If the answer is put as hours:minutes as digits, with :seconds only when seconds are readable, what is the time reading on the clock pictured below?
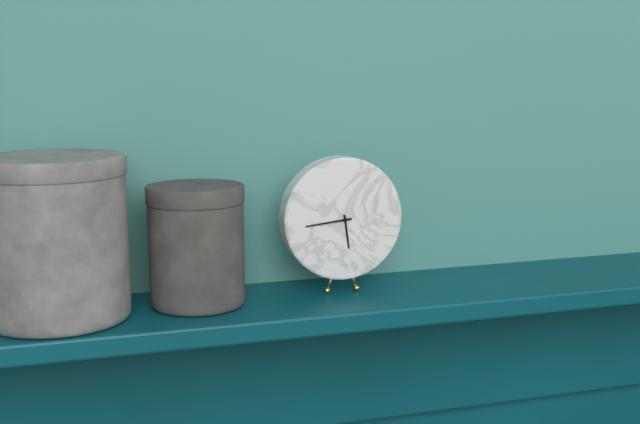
5:44
